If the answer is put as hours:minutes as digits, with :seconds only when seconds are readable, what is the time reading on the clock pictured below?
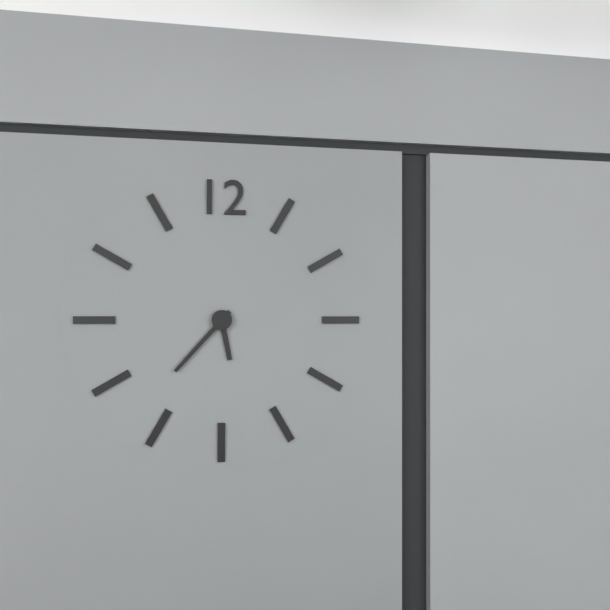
5:37
